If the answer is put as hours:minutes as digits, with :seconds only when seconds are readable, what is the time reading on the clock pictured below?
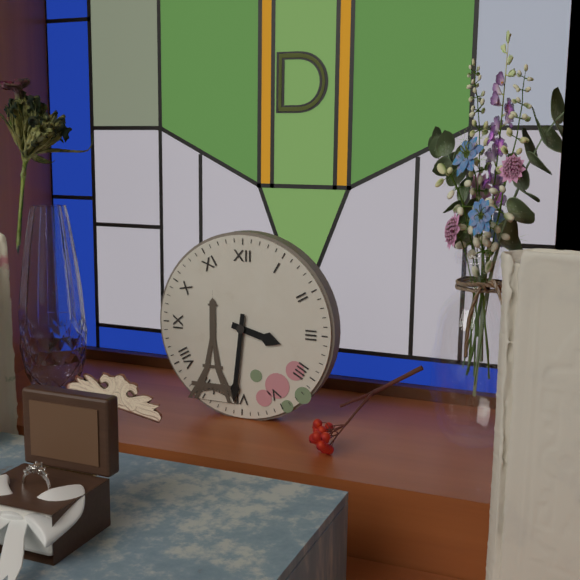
3:31
